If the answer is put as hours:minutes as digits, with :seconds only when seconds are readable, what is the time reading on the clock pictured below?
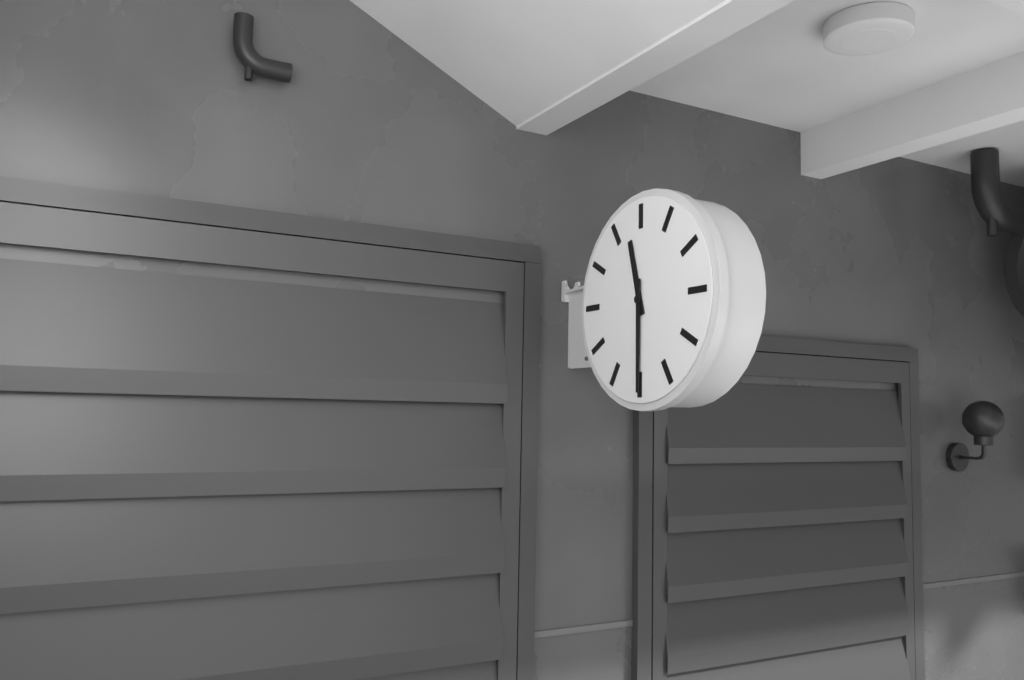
11:30
